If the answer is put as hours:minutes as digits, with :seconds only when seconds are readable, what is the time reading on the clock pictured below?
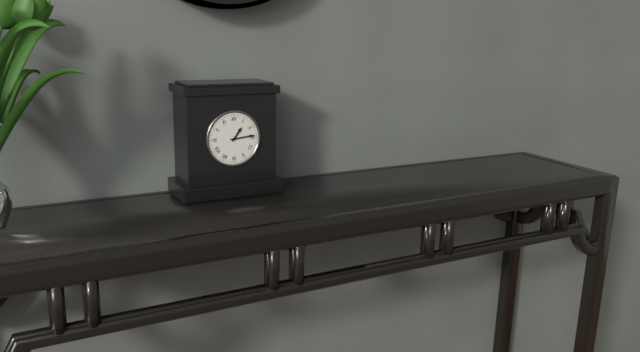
1:14
